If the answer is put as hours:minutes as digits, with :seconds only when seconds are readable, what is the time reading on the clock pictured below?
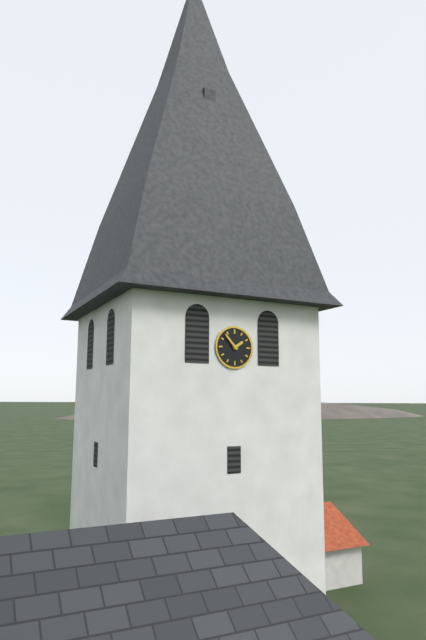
1:53
